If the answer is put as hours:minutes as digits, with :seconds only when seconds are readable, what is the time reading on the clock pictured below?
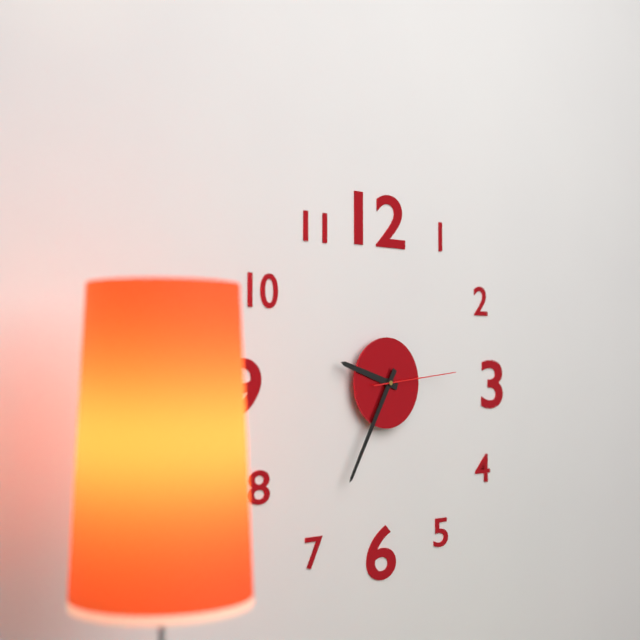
9:35:14
